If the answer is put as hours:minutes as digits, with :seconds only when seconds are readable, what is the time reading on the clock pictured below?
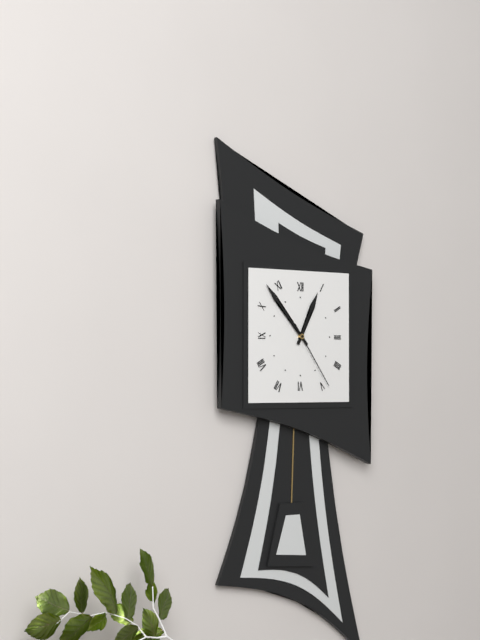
12:53:24
